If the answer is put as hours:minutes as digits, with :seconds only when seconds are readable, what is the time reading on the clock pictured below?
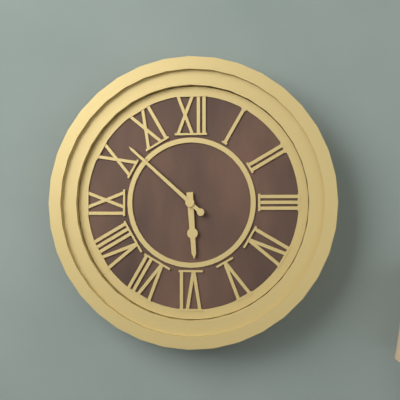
5:52
